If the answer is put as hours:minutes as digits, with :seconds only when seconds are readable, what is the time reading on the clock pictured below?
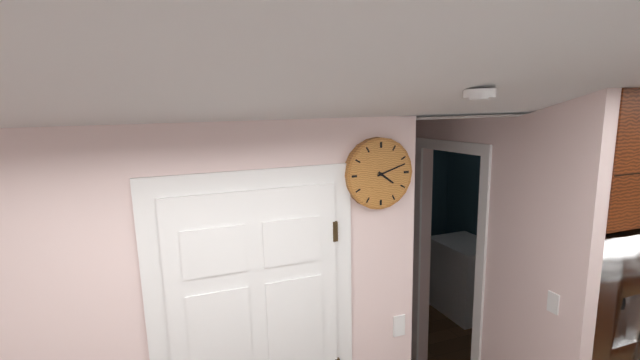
4:12
